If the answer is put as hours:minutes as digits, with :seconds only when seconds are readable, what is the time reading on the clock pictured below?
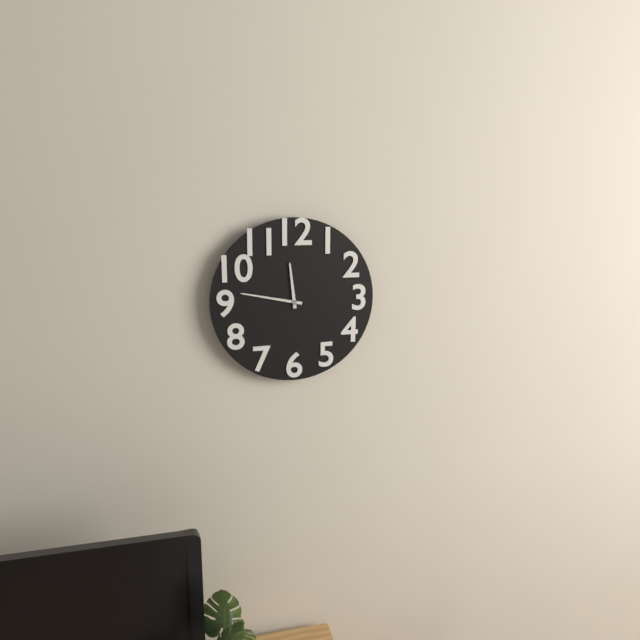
11:47
